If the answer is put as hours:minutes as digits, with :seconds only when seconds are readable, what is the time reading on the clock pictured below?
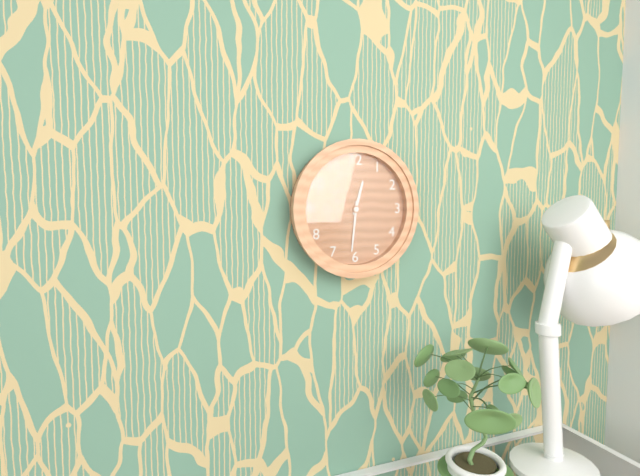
12:31
